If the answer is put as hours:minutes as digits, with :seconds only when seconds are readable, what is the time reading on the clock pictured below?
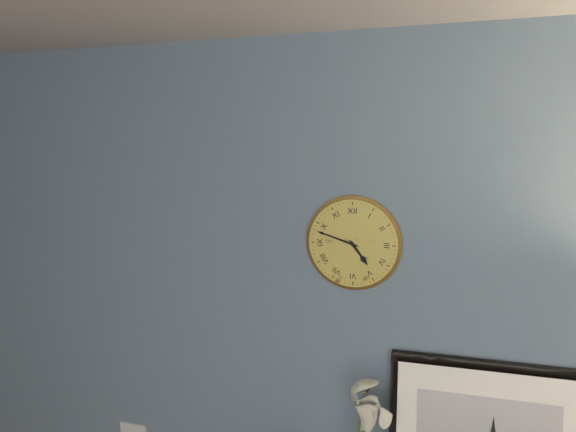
4:48
